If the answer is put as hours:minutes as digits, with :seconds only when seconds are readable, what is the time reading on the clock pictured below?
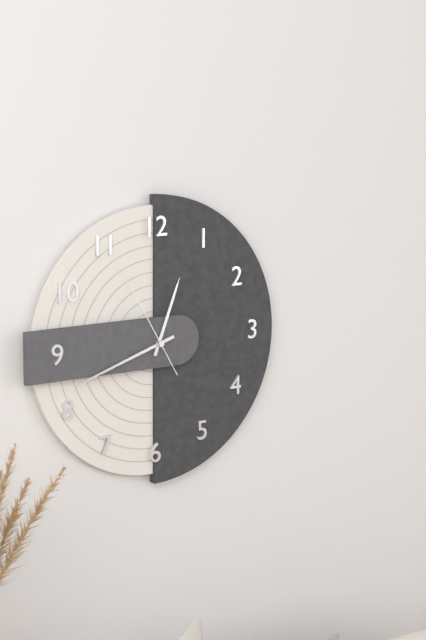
12:42:55
